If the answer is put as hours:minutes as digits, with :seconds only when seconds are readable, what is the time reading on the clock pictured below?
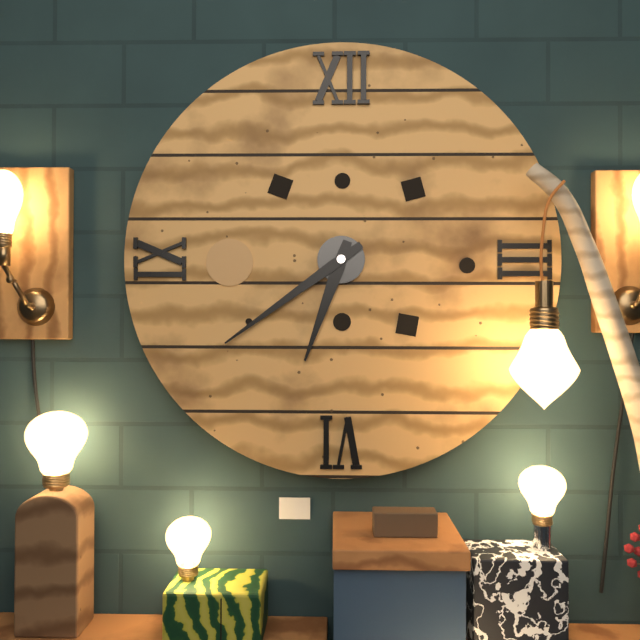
6:39
